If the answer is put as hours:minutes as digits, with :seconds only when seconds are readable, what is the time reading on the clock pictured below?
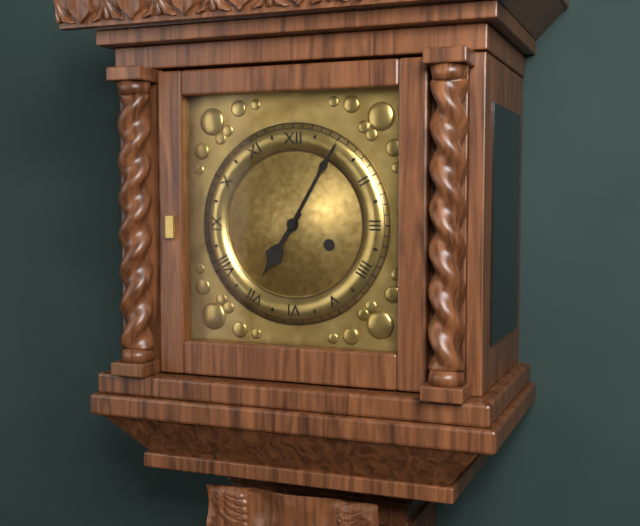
7:05
